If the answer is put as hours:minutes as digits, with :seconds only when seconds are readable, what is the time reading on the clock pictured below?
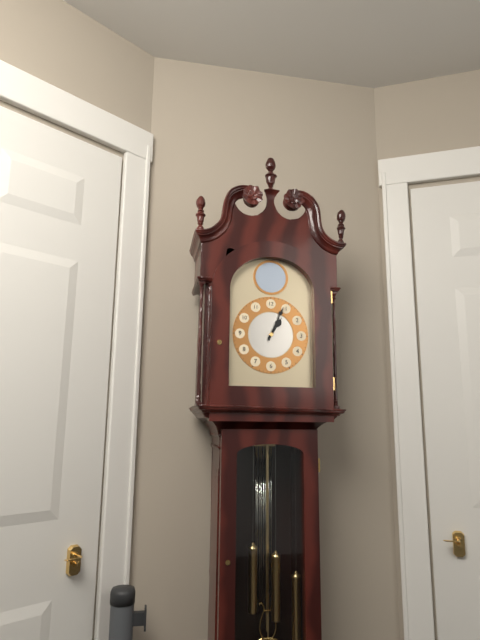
1:04
